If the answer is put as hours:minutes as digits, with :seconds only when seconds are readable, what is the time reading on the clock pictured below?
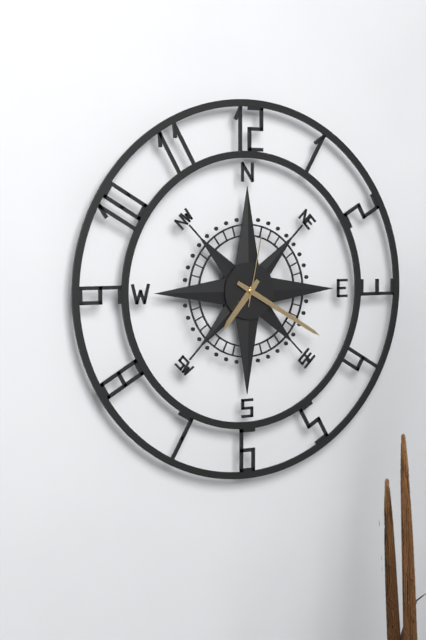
7:20:02
